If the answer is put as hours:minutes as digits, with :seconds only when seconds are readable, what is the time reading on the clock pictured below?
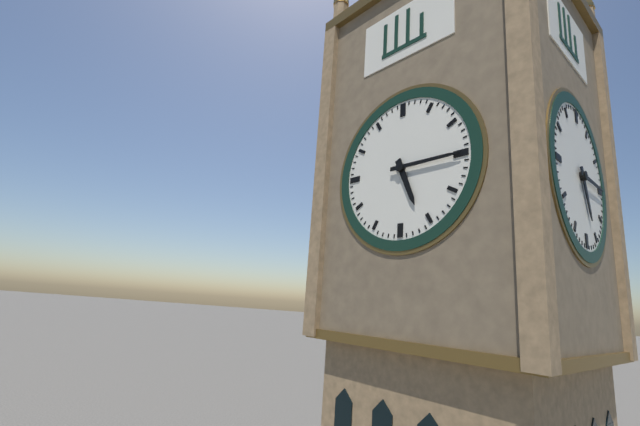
5:15
